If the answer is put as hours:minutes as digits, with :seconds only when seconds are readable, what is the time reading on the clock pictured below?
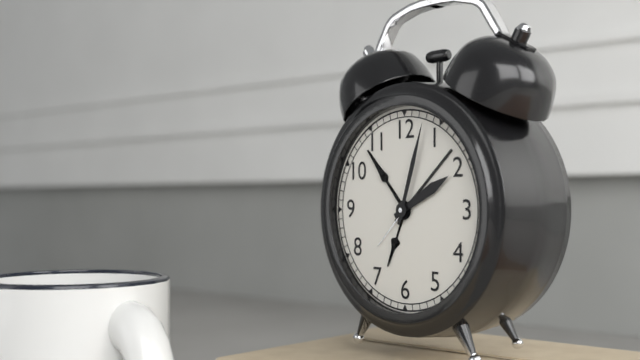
2:03
